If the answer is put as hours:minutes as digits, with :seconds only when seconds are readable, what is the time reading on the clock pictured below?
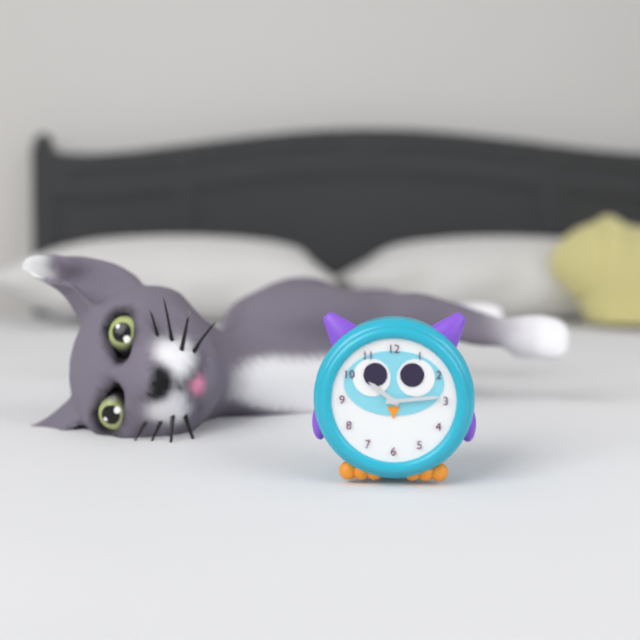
10:14
